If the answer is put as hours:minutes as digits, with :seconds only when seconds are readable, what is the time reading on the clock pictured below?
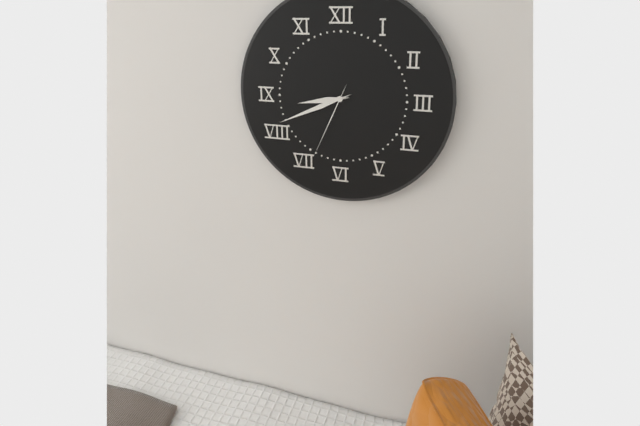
8:41:34
